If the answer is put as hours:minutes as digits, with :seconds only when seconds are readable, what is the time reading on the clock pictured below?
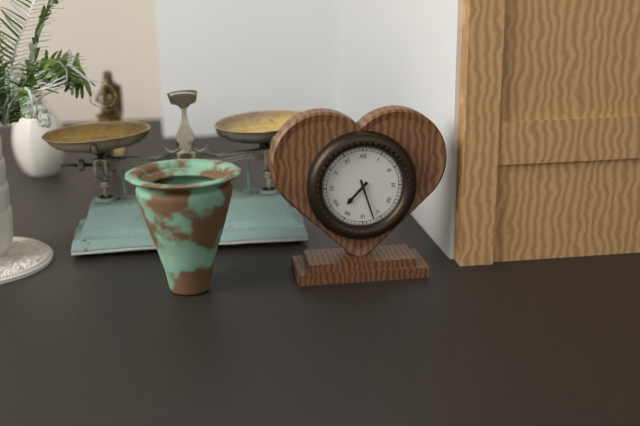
7:27
